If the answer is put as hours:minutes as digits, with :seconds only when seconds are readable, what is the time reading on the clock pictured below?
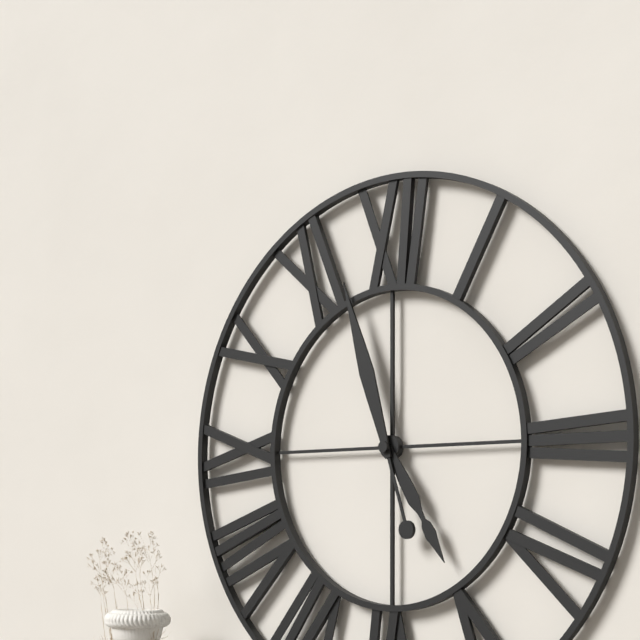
4:57
